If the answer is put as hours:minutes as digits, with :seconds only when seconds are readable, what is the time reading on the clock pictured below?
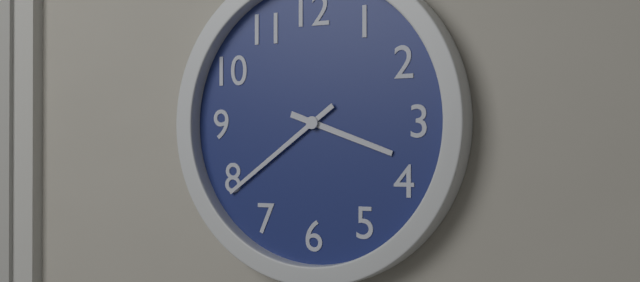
3:39
